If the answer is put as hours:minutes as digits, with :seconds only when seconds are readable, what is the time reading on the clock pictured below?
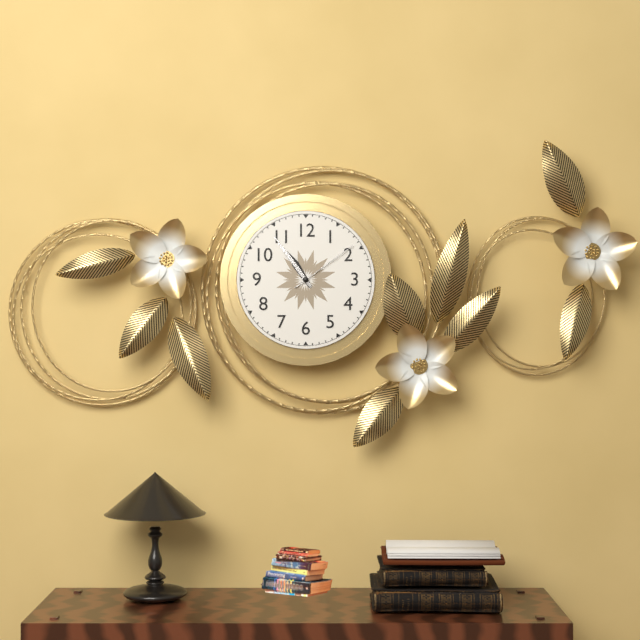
10:54:09
